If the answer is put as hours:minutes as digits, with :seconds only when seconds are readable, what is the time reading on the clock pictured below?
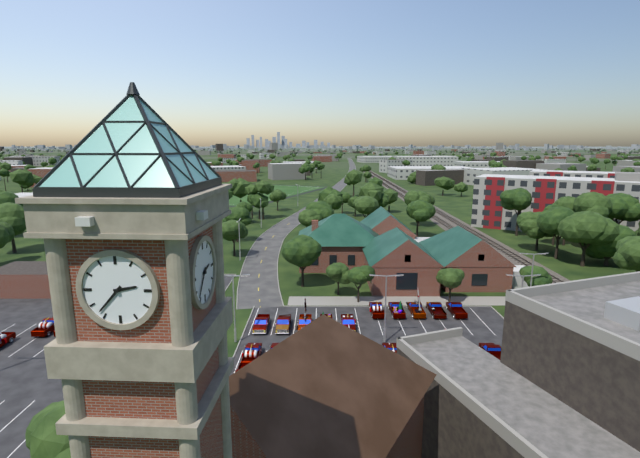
2:37
